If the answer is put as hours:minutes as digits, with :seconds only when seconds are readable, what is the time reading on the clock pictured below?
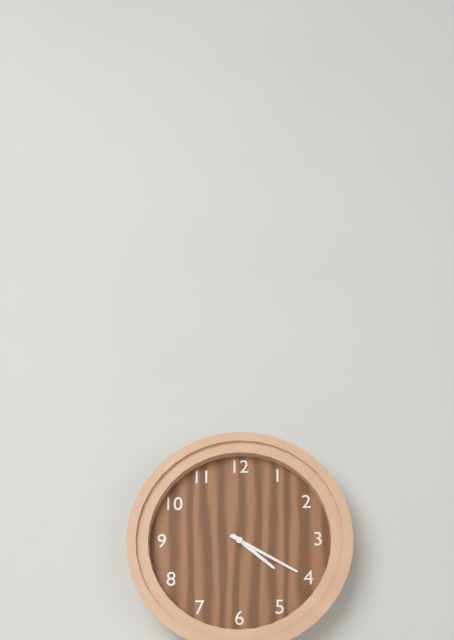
4:20
